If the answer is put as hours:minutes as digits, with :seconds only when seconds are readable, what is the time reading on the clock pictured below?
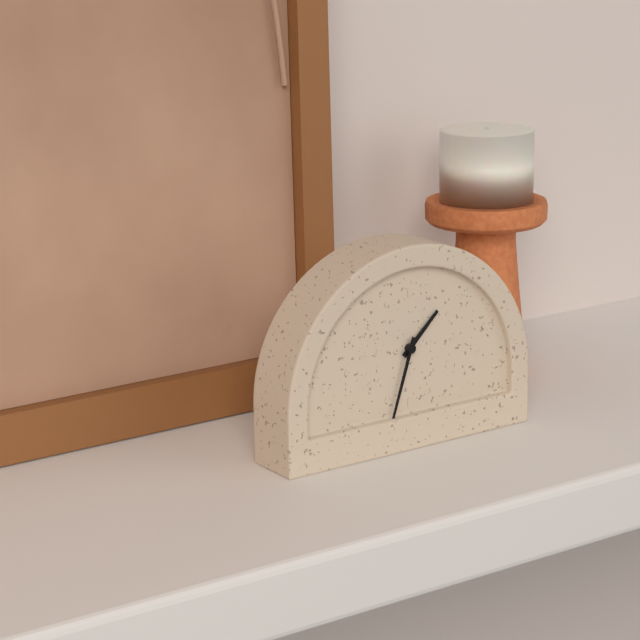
1:33
